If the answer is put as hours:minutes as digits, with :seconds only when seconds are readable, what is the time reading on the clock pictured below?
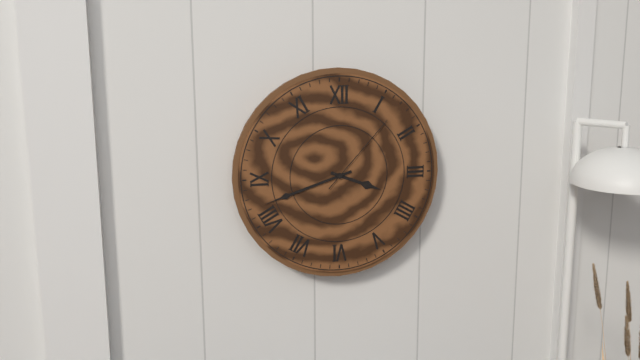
3:42:07
